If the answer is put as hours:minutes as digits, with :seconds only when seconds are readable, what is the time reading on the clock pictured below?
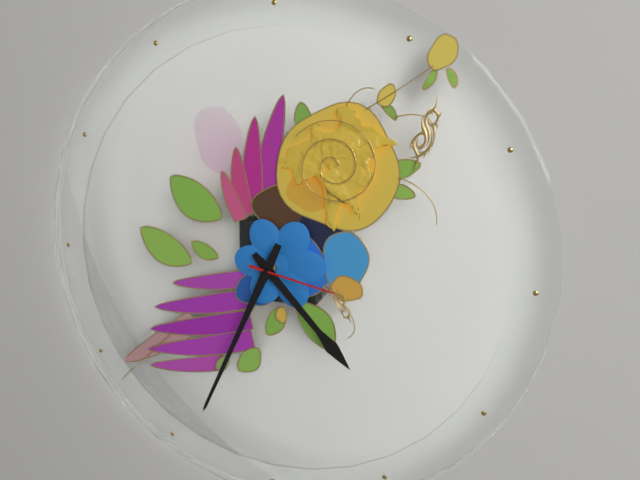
4:34:17
